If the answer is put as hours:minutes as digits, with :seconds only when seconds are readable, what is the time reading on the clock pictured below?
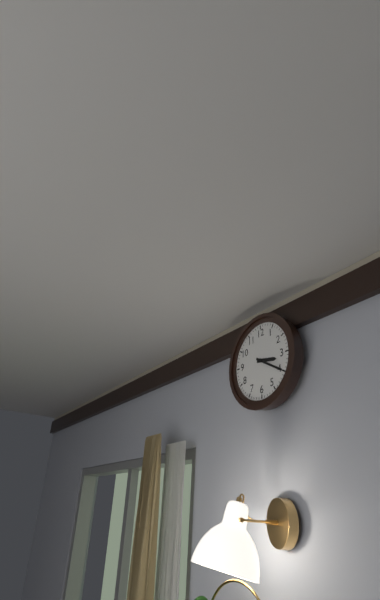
3:20
